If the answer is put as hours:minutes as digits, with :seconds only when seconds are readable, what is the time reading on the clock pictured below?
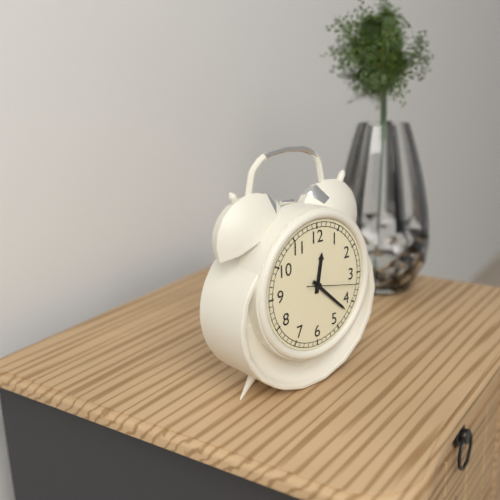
12:22
